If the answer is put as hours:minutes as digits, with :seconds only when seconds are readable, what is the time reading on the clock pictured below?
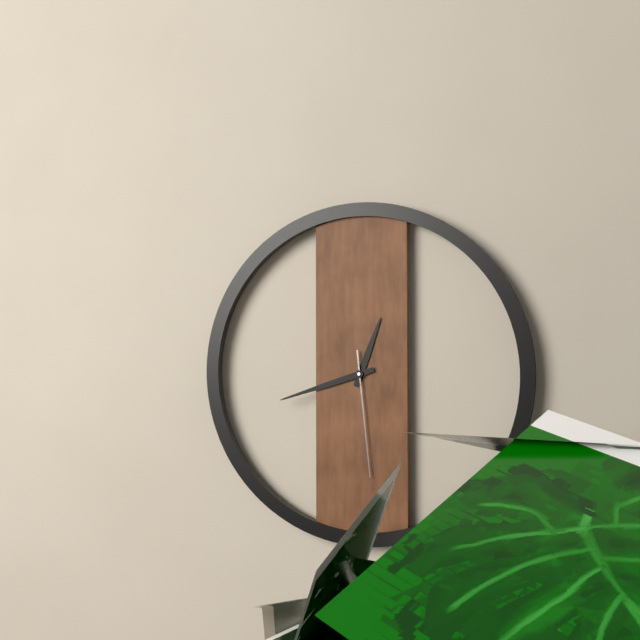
12:42:29
